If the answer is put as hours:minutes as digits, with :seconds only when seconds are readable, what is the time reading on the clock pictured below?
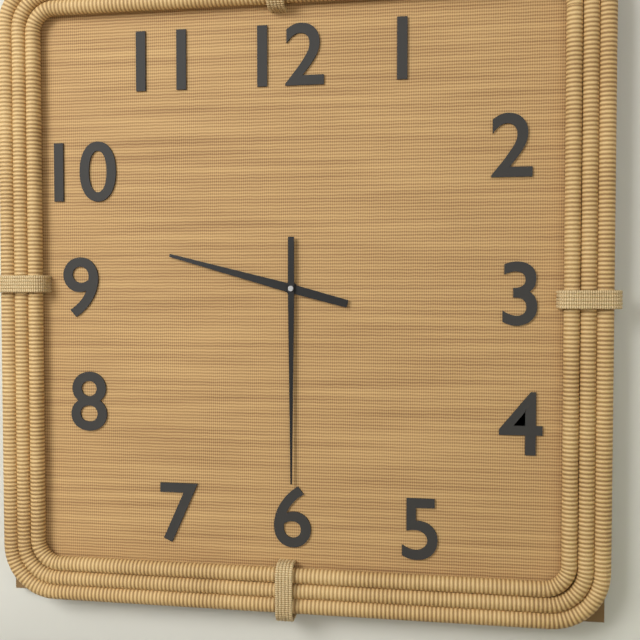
9:30
